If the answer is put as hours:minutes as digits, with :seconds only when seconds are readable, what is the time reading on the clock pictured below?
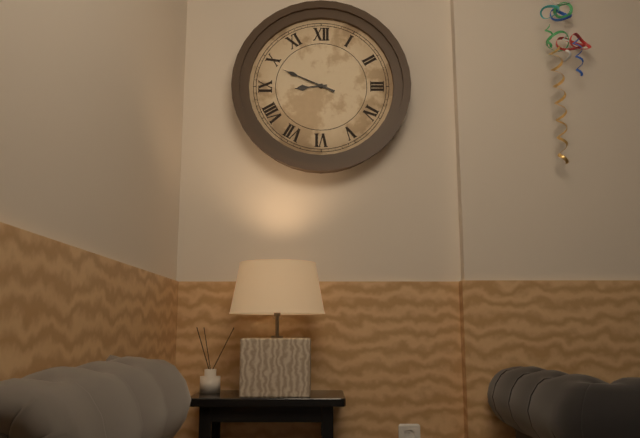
8:49
